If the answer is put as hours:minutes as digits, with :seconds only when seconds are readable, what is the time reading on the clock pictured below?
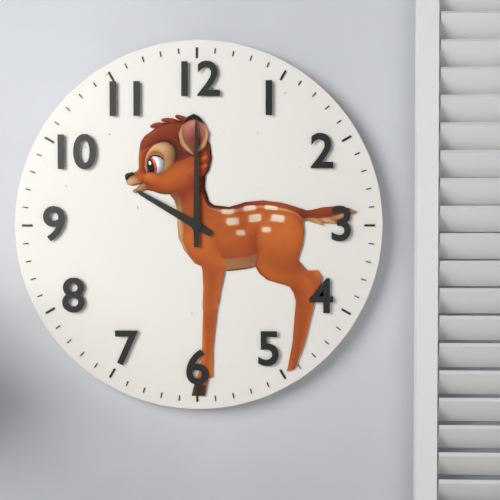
10:00
